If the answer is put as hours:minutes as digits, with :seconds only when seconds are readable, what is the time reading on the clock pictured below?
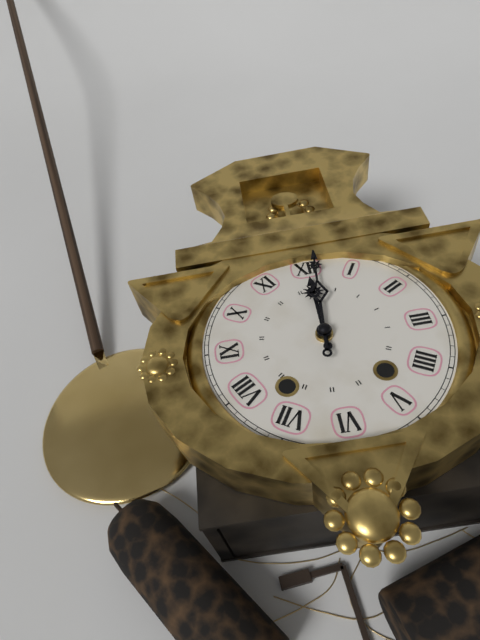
12:01
